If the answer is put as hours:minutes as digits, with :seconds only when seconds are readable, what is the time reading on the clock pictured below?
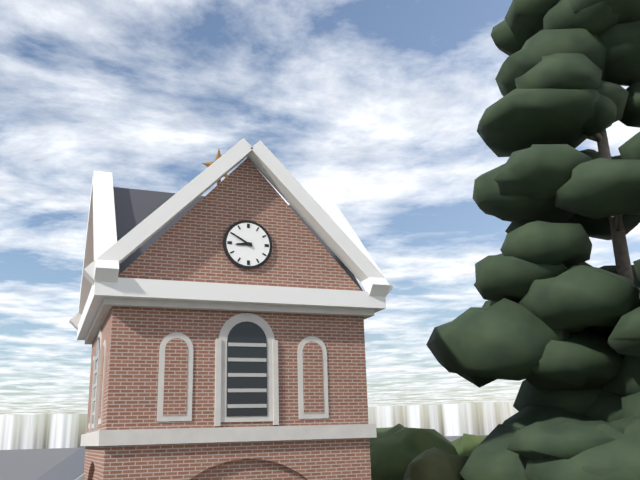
8:50
